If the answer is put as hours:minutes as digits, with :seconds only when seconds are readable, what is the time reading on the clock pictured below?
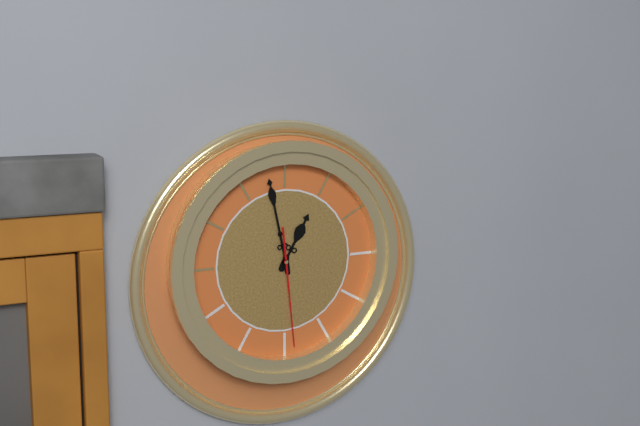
12:58:29
